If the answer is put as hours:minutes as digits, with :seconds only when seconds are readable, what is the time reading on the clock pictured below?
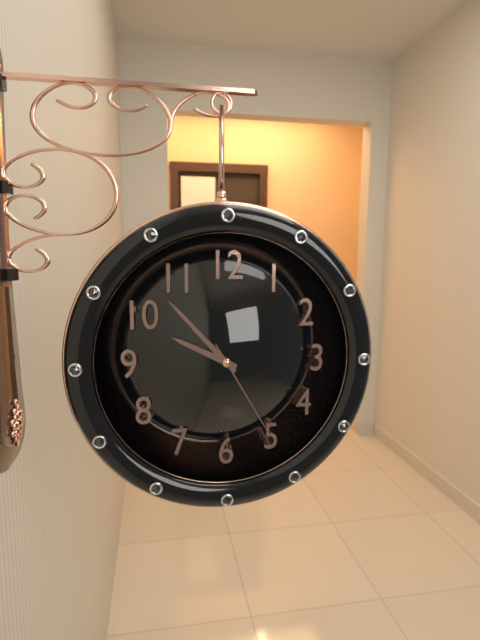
9:53:25
